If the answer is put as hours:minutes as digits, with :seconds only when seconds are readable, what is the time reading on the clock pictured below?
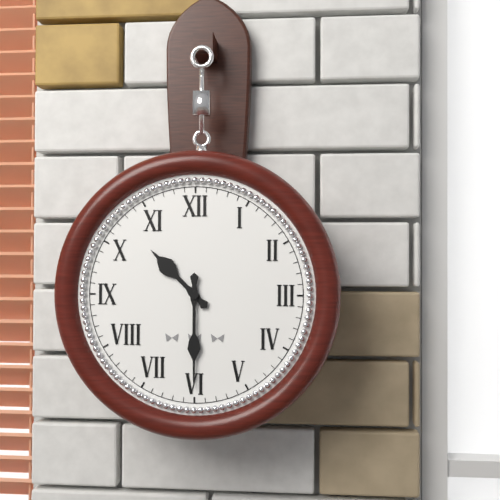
10:30
